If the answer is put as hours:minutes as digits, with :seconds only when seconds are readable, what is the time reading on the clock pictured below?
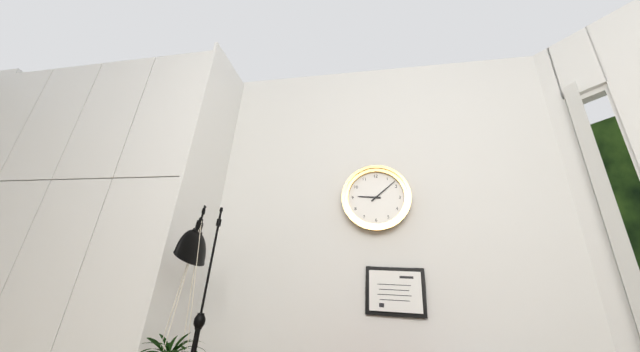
9:08
